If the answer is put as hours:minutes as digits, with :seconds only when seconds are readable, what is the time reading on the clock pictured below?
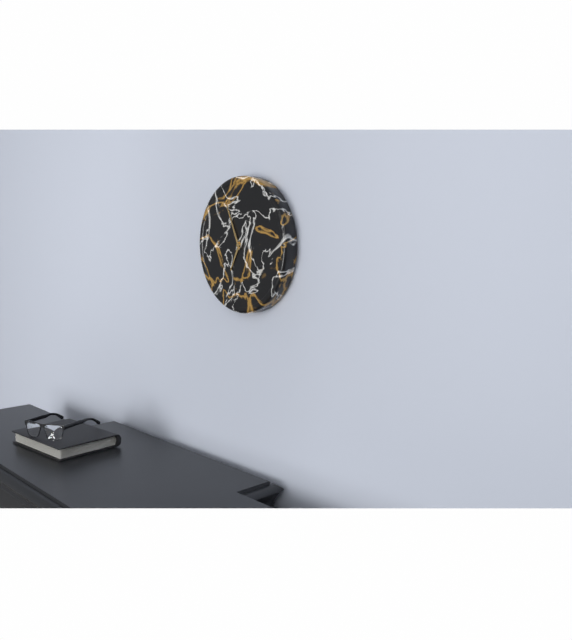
6:56
